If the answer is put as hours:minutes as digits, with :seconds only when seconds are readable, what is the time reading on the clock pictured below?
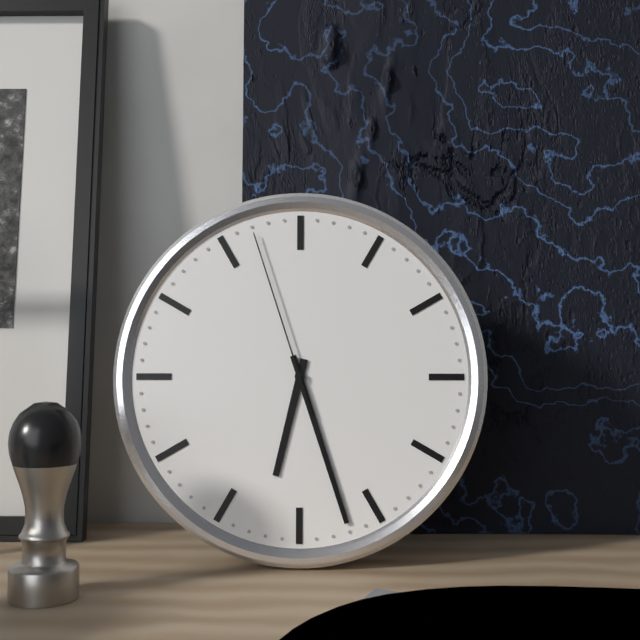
6:27:57
